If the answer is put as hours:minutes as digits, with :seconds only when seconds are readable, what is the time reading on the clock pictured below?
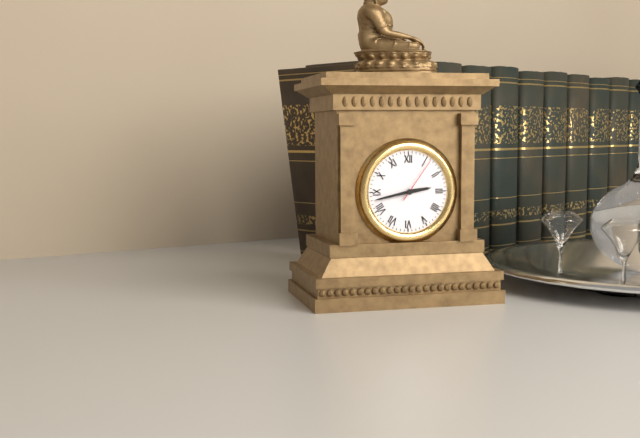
2:43
